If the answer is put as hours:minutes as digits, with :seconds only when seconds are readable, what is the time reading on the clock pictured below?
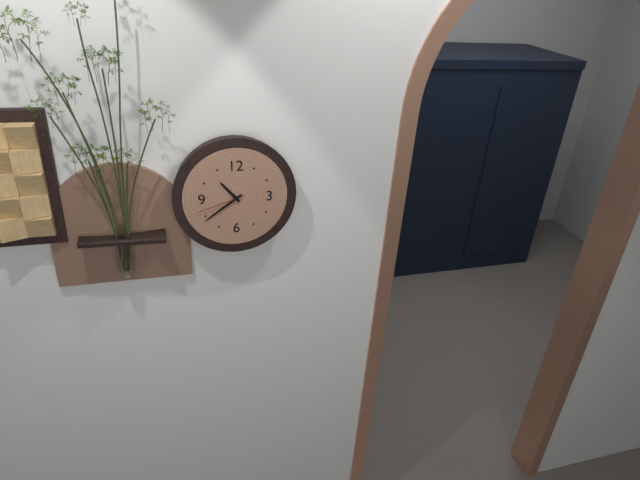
10:39:42
